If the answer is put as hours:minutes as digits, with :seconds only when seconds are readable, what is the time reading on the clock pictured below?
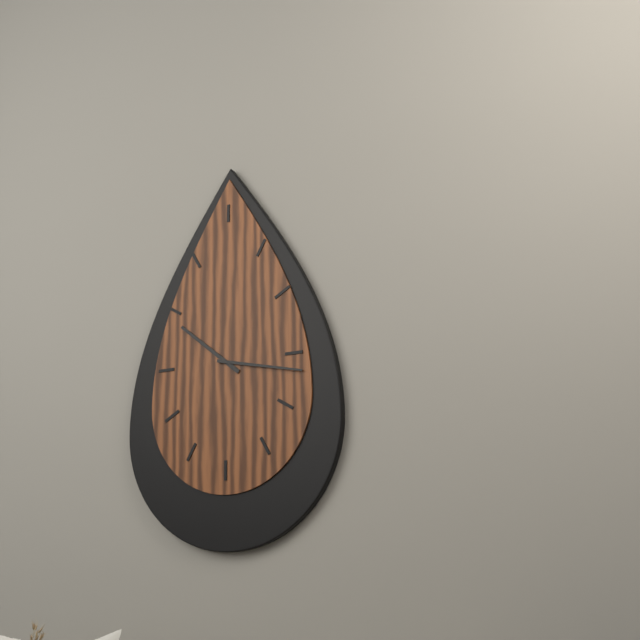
10:17
